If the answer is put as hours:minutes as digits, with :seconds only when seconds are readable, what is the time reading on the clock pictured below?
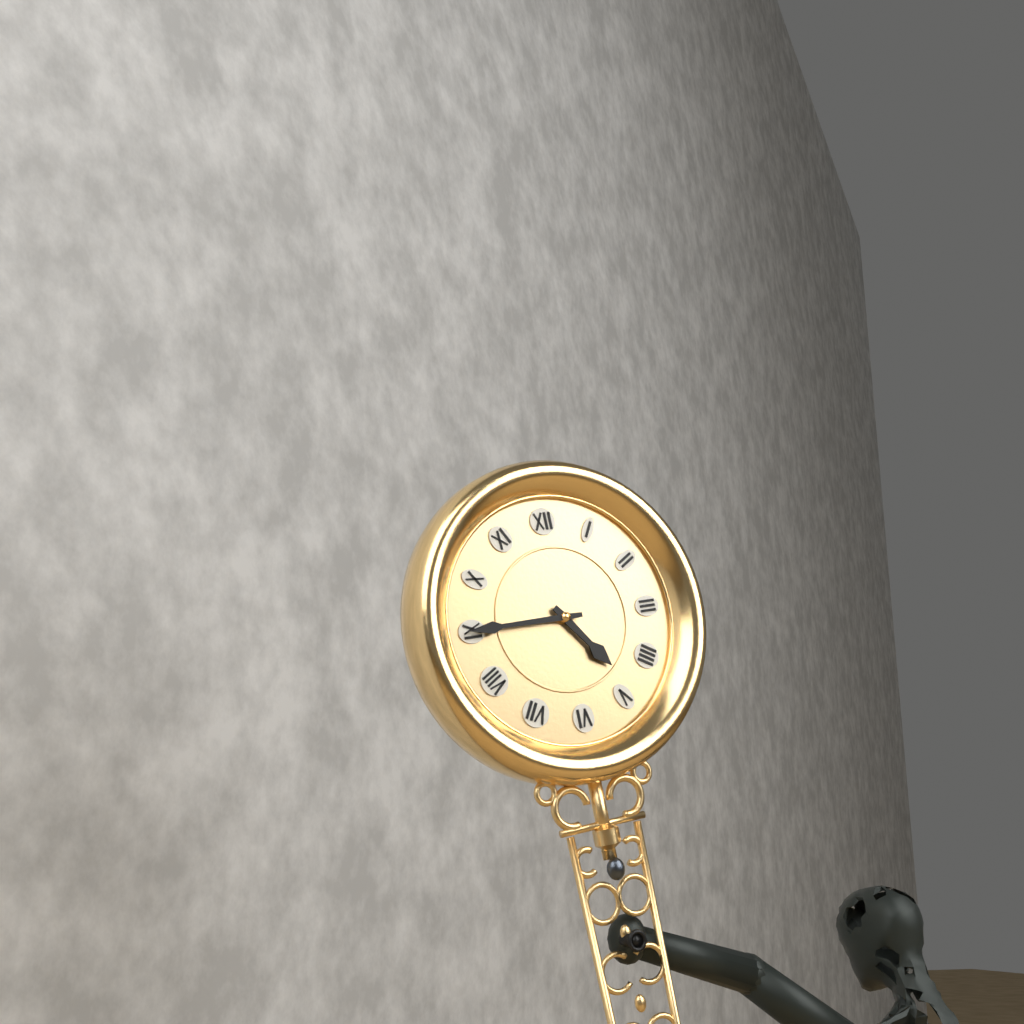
4:45
